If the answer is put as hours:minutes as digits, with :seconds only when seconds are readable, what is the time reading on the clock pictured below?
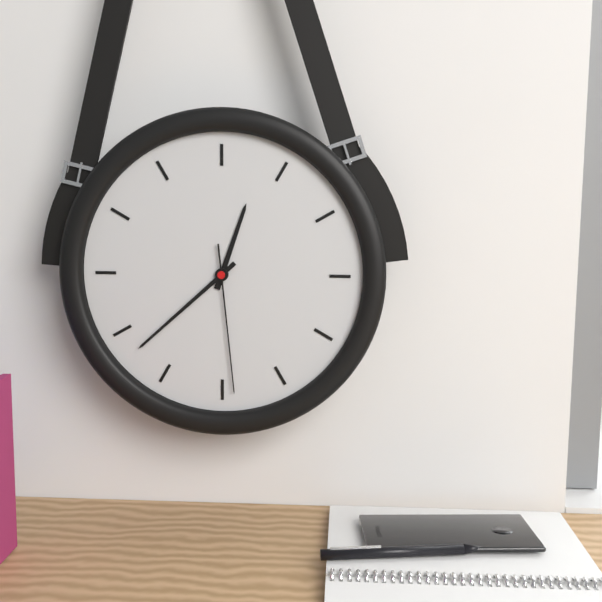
12:38:29
